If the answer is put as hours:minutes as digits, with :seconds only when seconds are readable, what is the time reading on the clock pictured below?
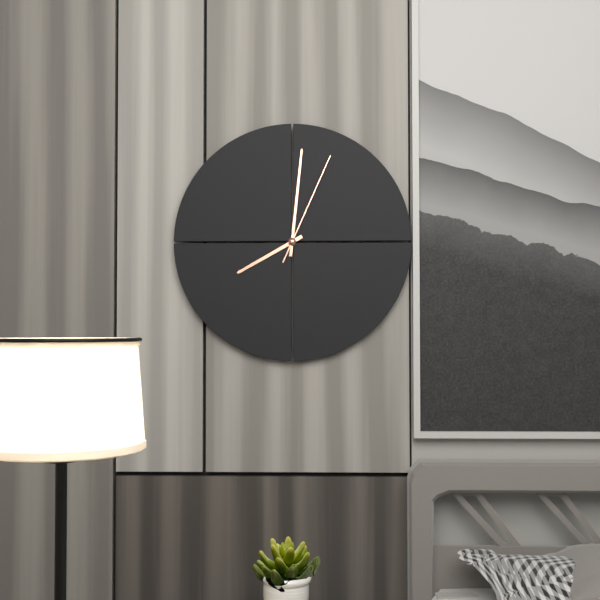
8:01:04
